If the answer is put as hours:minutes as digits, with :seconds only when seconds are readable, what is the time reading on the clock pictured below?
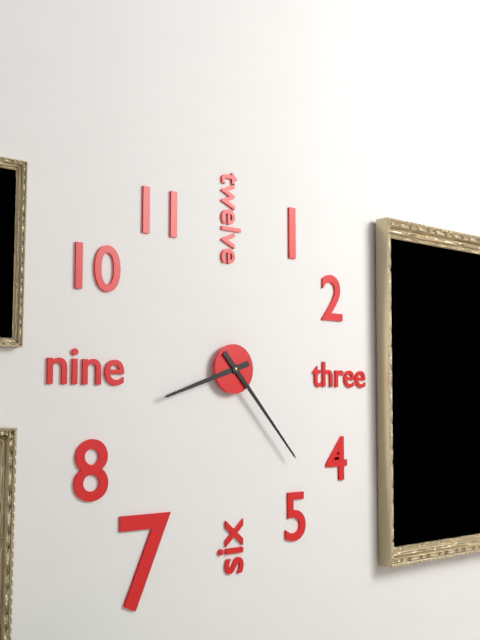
8:23
